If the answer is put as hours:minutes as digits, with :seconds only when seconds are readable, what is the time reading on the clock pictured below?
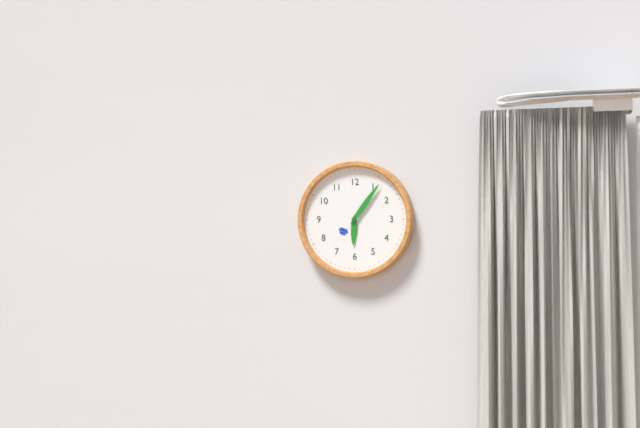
6:06
